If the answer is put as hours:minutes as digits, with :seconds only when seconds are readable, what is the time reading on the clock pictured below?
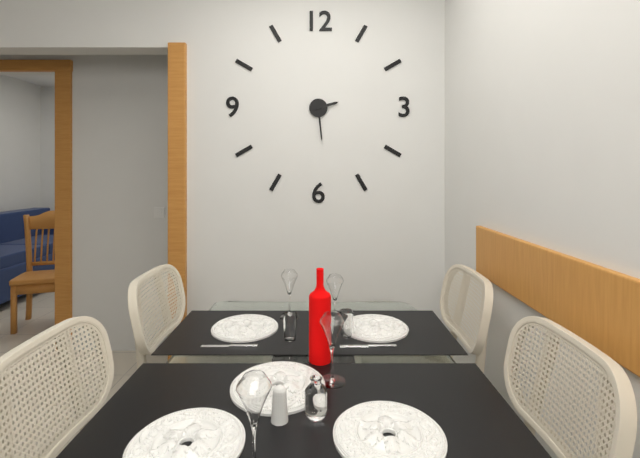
2:29
